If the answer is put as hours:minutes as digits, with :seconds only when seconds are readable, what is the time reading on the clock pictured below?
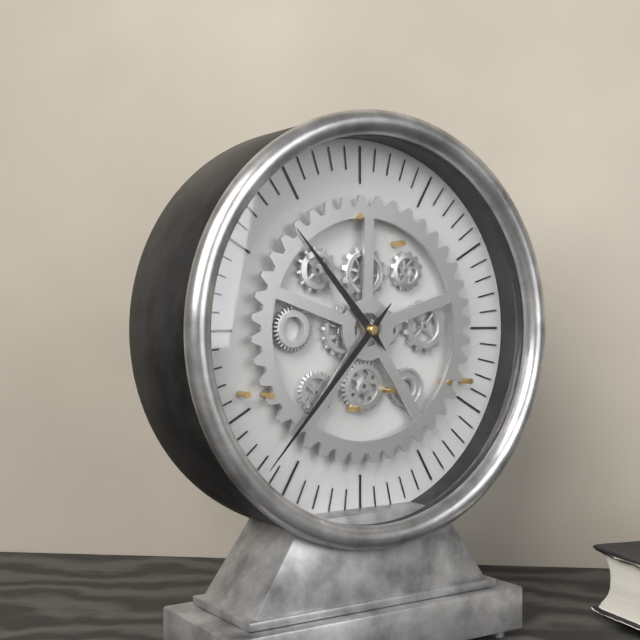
10:37
